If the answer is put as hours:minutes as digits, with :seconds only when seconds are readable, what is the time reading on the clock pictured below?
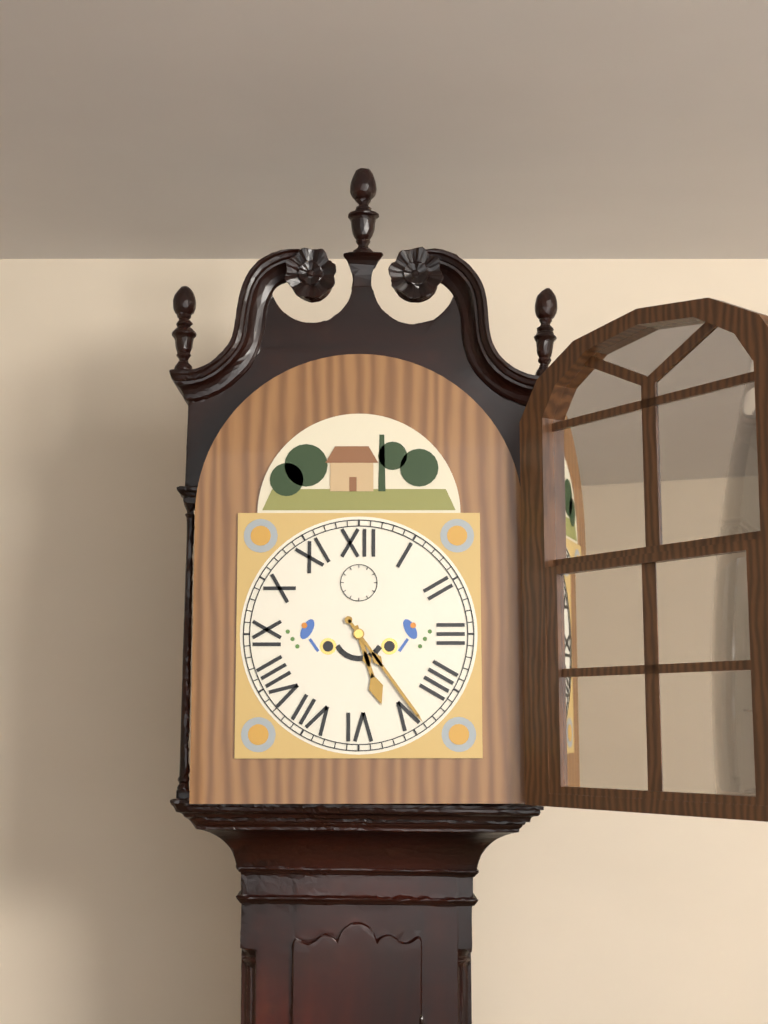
5:24
